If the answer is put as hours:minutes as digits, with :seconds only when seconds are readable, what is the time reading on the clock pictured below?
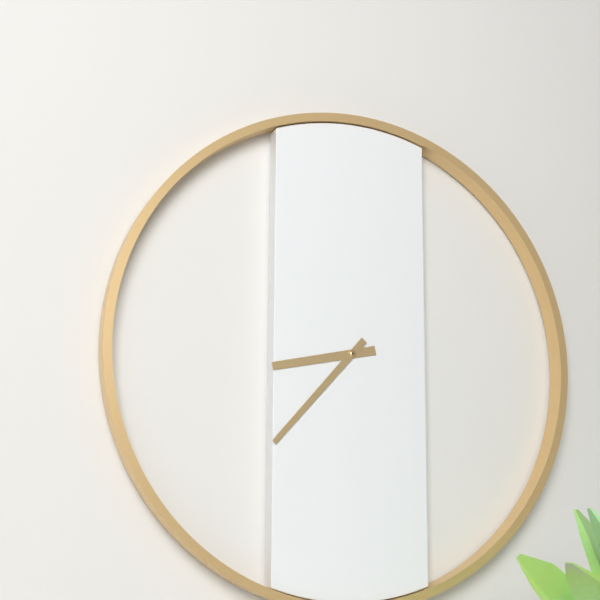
8:37
